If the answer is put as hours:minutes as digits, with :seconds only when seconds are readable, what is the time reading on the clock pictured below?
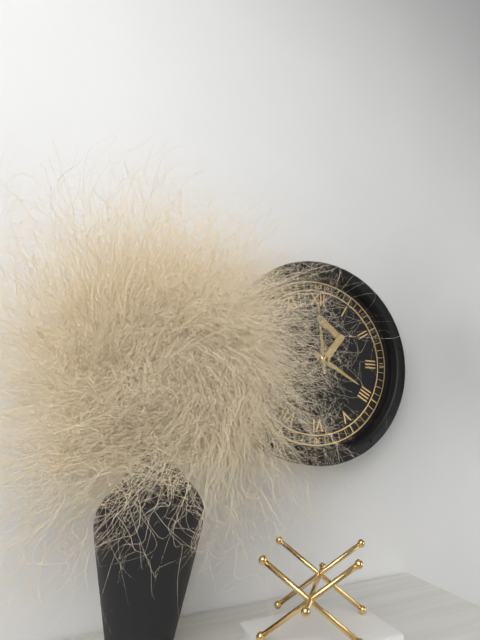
3:59
